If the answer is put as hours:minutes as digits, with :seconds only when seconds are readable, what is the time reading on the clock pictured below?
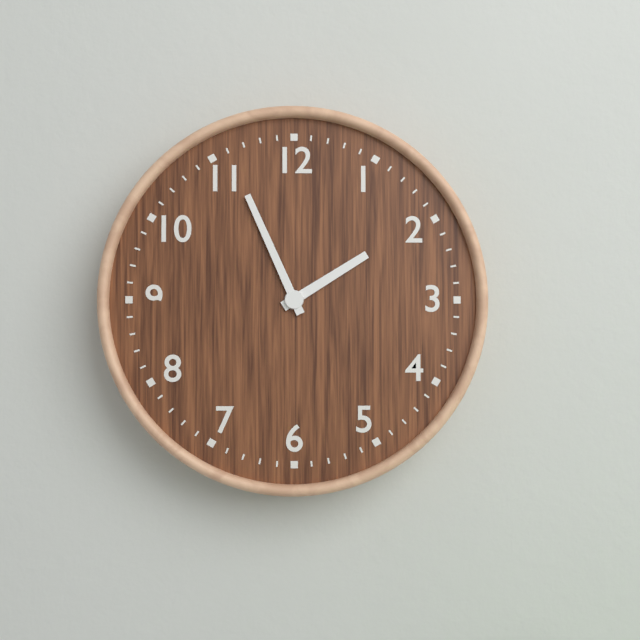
1:56
